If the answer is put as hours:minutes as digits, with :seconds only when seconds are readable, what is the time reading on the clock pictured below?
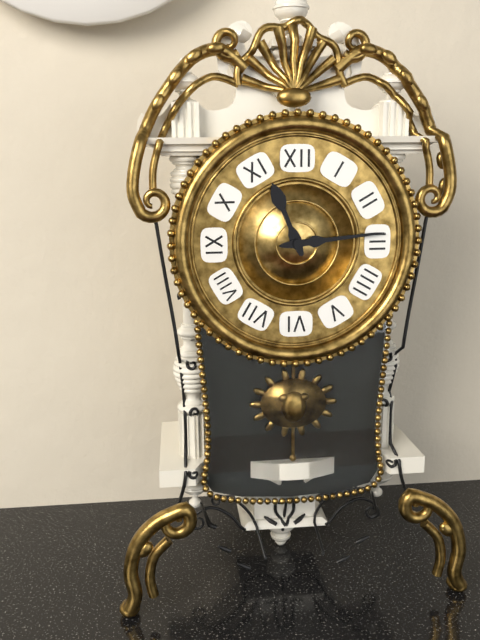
11:14
